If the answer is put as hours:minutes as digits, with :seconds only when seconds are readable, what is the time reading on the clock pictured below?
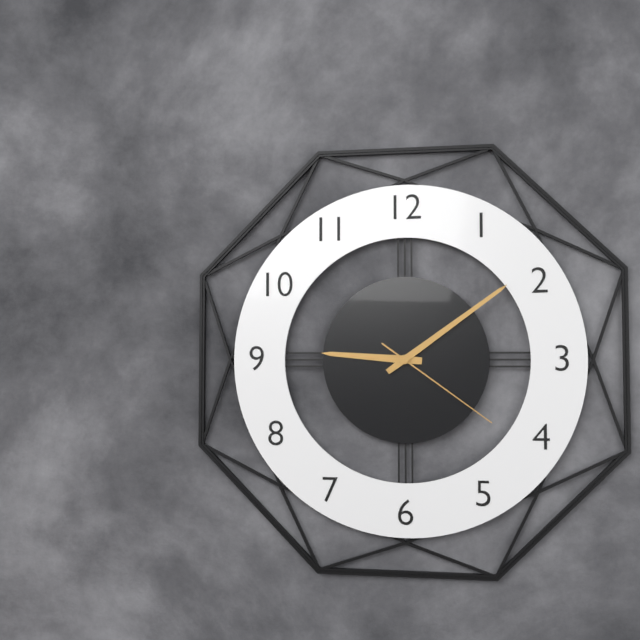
9:09:21
